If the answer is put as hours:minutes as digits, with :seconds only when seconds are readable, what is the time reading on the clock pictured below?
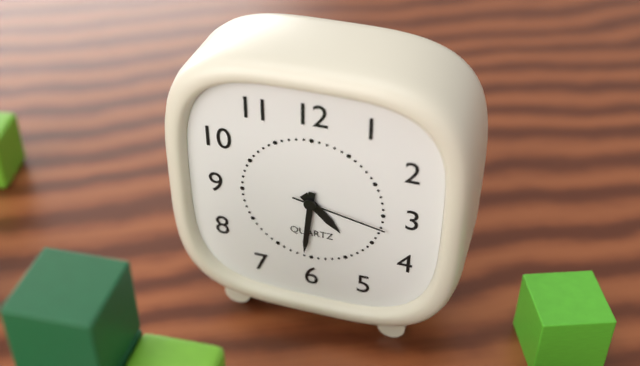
4:31:17
